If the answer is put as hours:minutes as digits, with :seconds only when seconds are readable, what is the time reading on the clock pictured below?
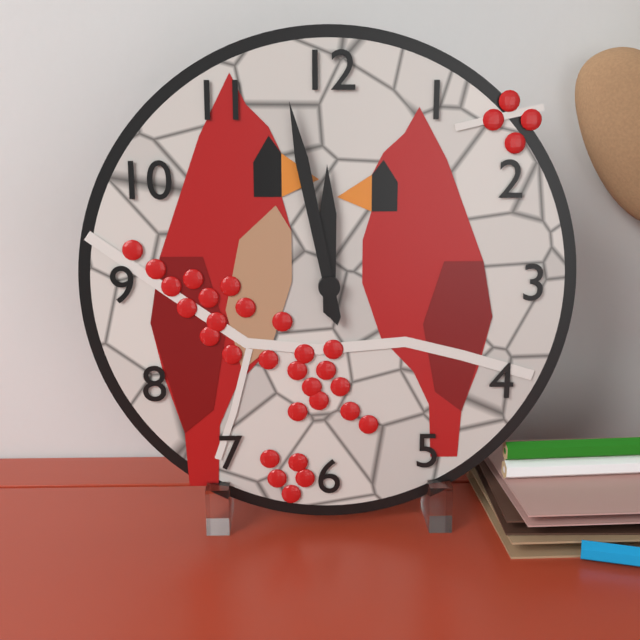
11:58
